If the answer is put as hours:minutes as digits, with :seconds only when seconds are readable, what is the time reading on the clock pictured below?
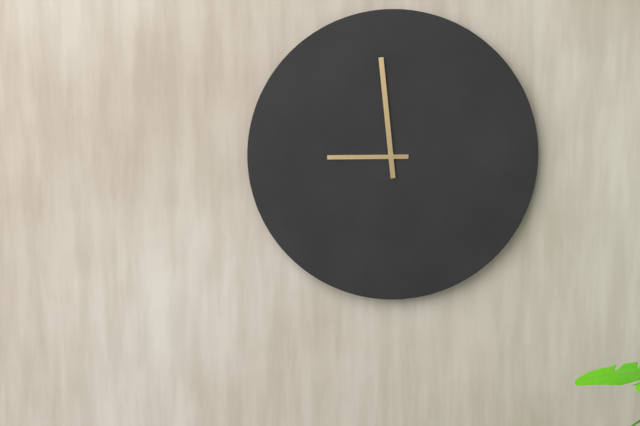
8:59
